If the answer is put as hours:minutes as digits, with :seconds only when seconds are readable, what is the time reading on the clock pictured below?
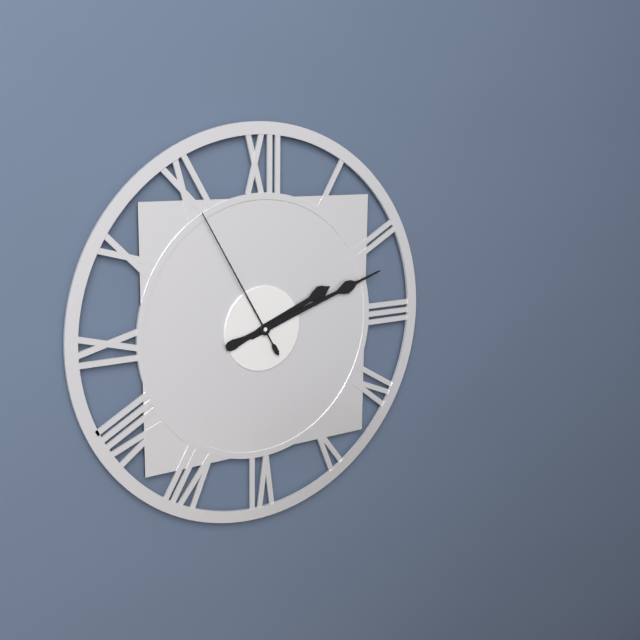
2:12:55
